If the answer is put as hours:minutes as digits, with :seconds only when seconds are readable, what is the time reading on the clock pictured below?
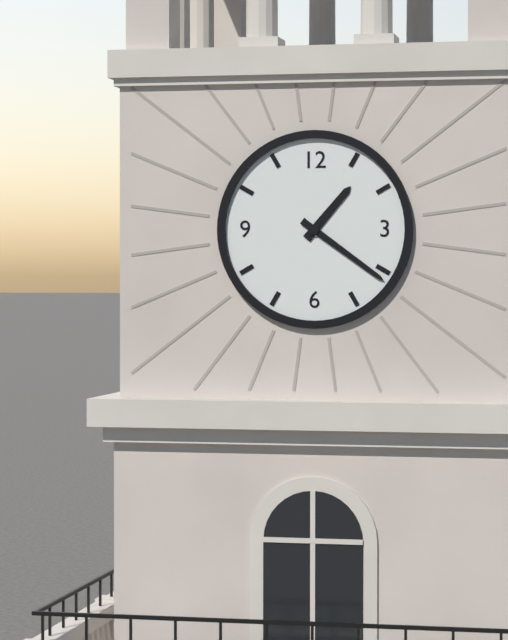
1:21
